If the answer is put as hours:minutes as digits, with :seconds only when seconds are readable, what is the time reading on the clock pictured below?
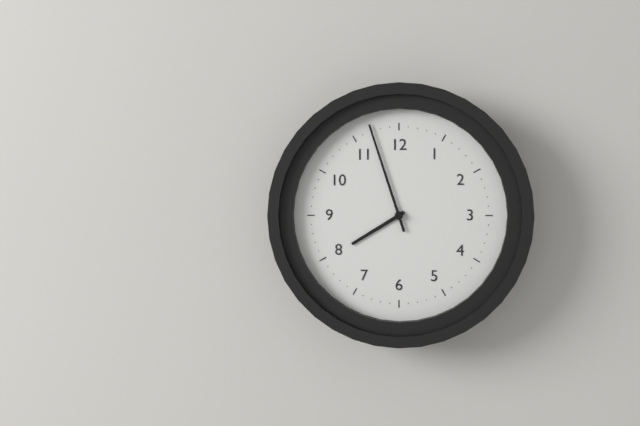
7:57
